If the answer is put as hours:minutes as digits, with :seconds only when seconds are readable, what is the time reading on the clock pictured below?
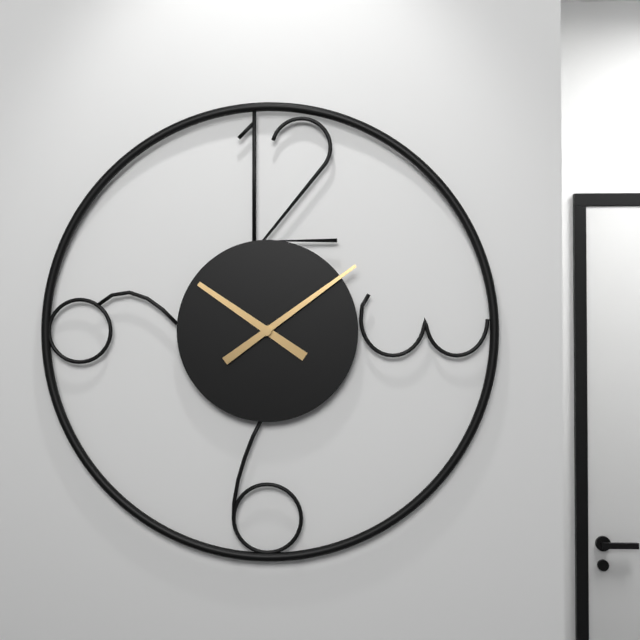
10:09
